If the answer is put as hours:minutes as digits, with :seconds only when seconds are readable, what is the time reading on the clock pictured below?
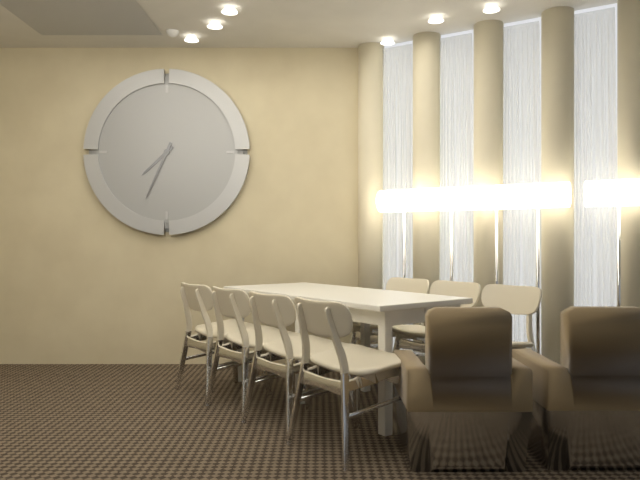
7:34
